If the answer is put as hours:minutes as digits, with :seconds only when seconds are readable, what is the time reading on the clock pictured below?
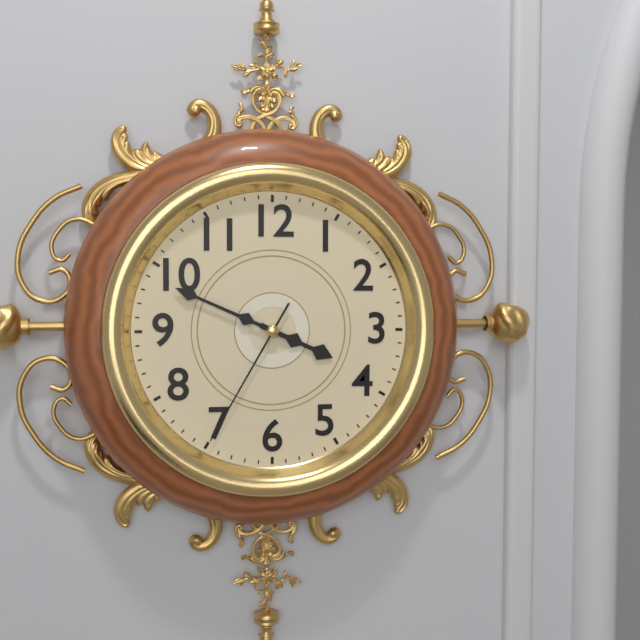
3:49:35
